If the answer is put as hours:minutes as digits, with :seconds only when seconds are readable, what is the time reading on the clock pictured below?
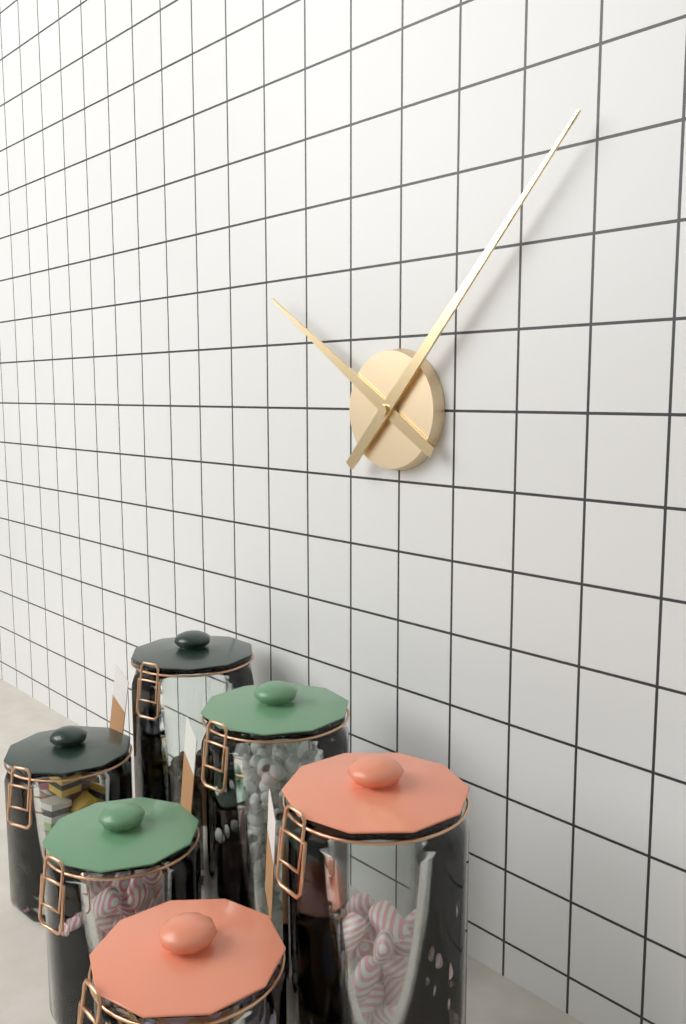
10:07
